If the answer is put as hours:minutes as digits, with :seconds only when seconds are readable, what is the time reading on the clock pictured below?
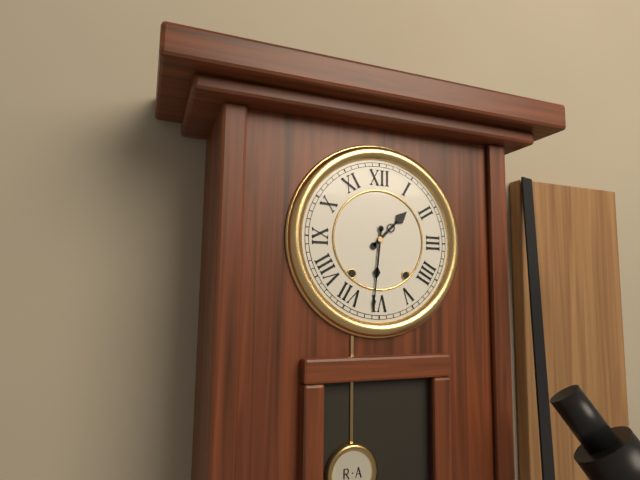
1:31
